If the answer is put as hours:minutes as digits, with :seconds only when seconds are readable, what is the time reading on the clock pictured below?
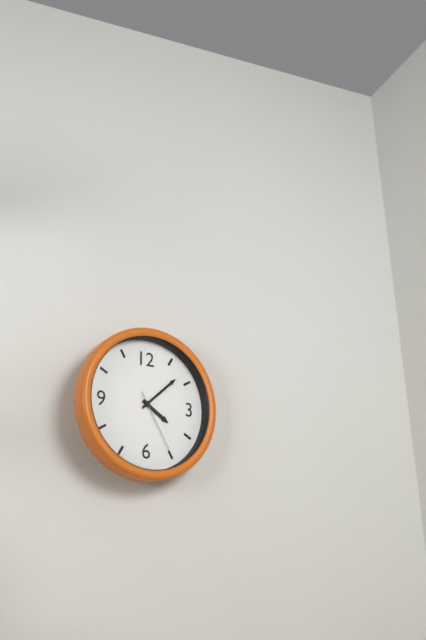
4:08:25
